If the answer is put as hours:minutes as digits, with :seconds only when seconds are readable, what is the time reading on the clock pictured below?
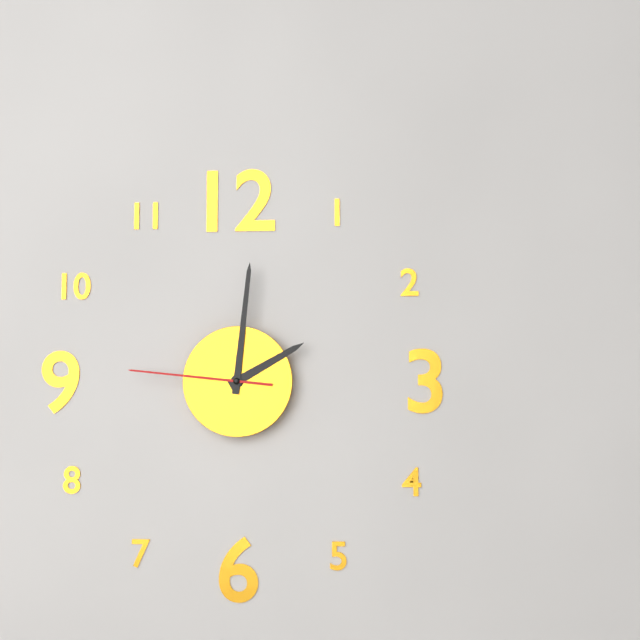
2:01:46
